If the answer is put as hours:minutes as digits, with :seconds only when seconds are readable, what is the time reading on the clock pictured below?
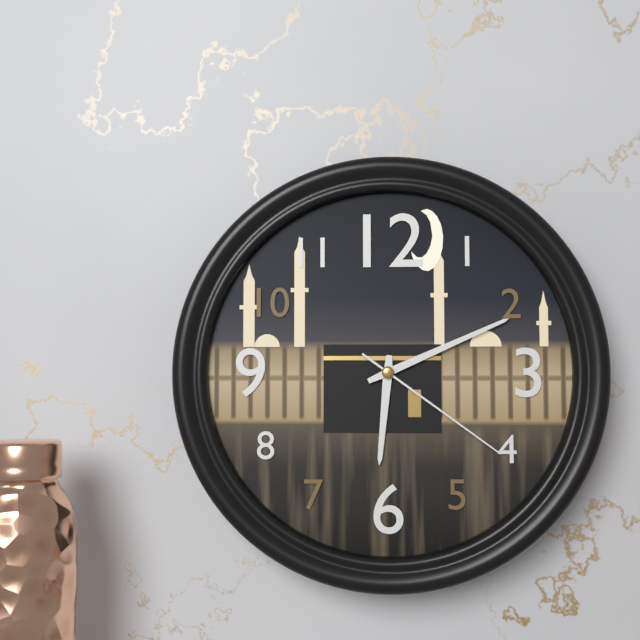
6:11:21
